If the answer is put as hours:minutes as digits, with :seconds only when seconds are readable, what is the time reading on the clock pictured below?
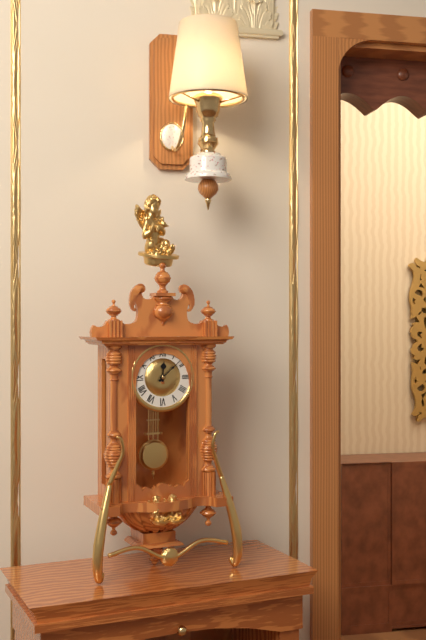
12:08
